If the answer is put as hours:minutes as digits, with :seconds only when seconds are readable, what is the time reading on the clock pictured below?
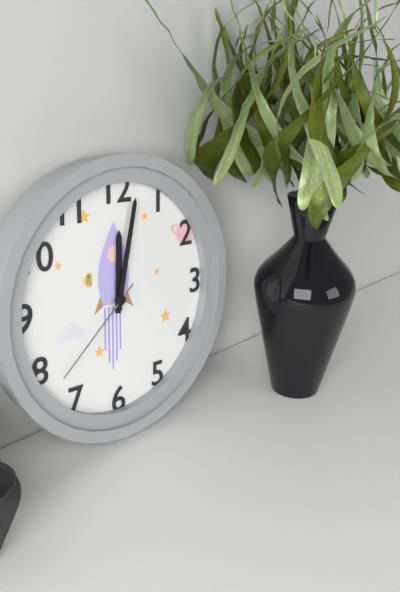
12:02:38
